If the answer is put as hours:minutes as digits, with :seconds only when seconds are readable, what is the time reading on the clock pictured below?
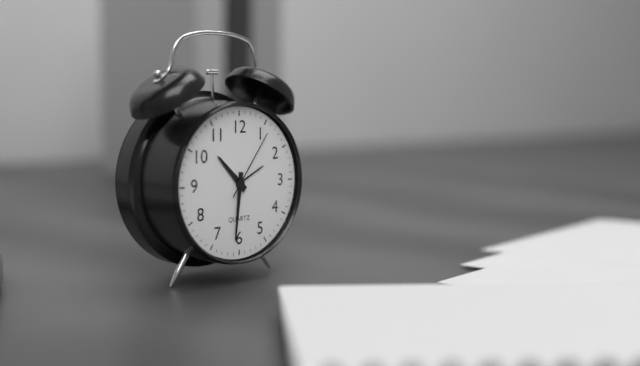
10:31:06
